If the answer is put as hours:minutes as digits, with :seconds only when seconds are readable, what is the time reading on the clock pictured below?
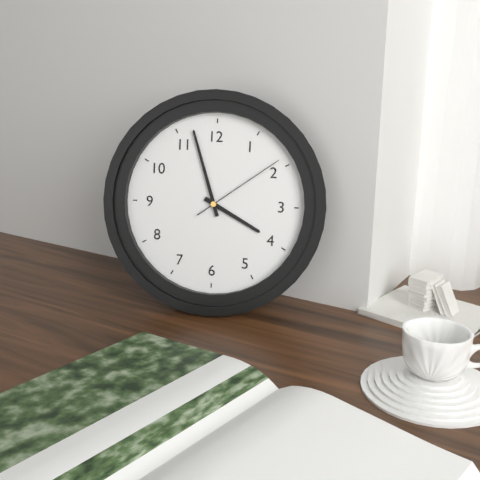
3:57:09
